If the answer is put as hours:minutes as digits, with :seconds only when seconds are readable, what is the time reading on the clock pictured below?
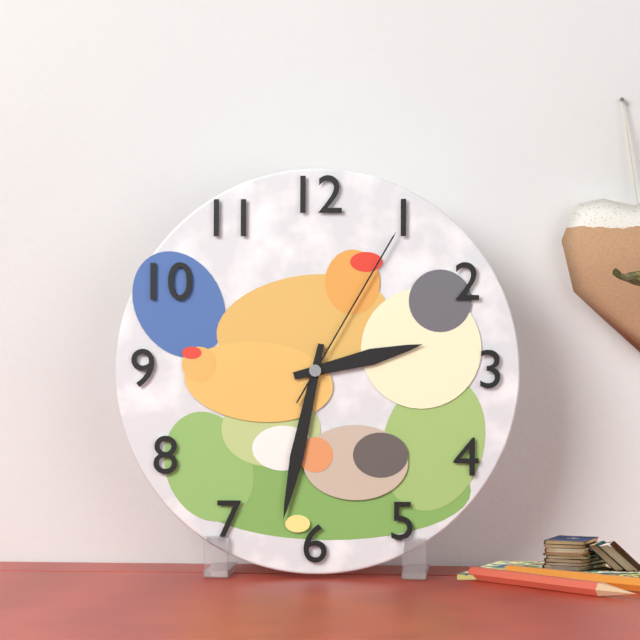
2:32:05
